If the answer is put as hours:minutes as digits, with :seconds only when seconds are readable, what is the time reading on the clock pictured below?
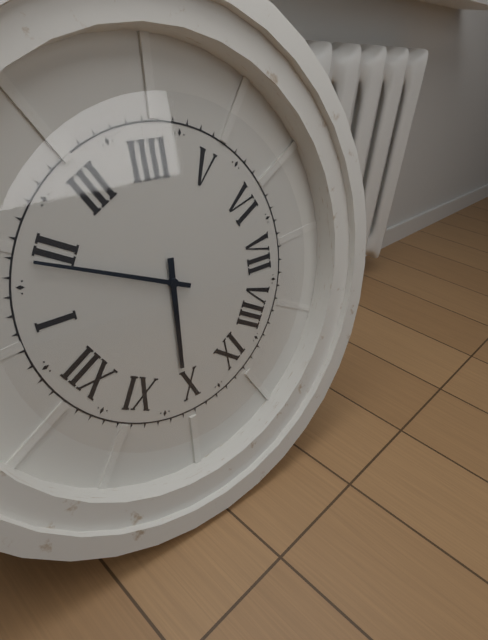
10:09
